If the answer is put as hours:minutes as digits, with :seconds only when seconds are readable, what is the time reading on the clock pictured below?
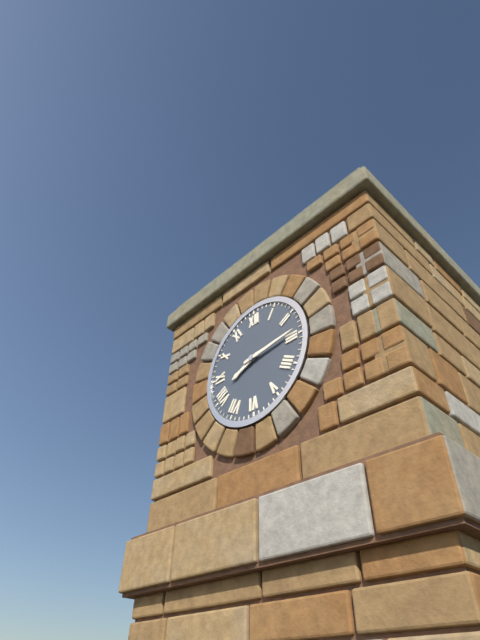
8:14
